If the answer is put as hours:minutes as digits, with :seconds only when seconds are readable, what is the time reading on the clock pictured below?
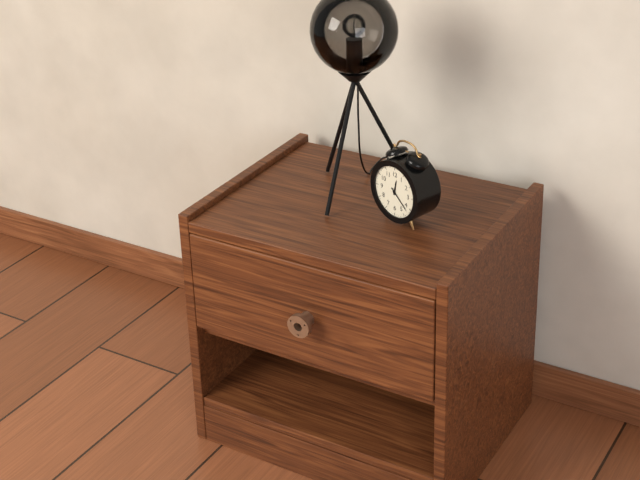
12:22
